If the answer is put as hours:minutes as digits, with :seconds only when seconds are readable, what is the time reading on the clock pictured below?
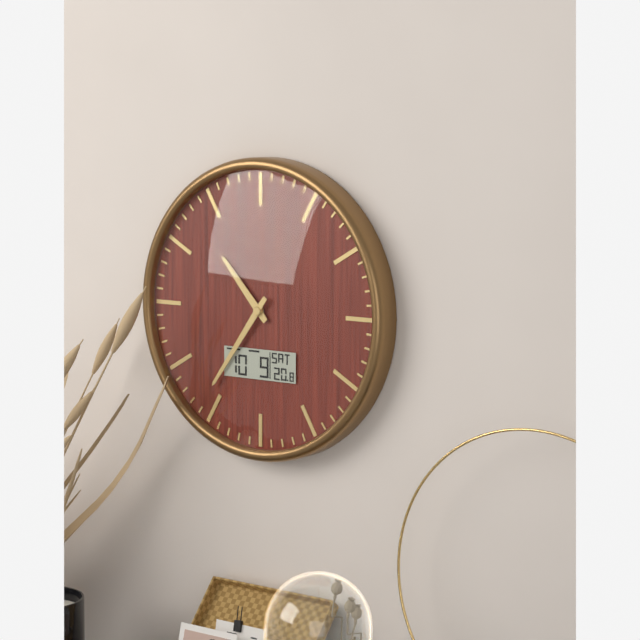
10:36
